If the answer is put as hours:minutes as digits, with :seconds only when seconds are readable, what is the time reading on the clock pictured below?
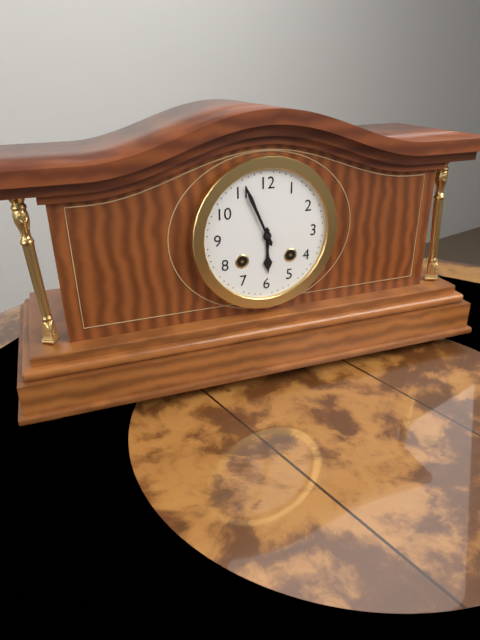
5:56
